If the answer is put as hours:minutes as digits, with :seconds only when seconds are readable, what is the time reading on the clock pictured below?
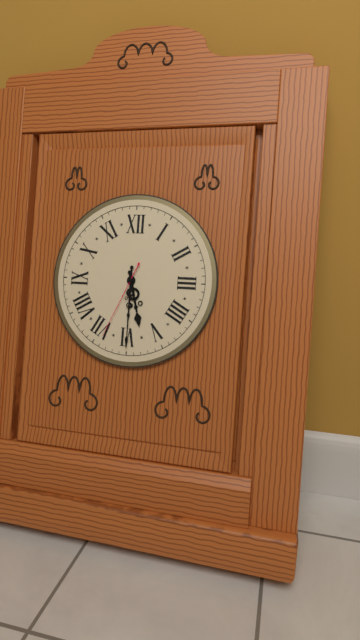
5:30:34
